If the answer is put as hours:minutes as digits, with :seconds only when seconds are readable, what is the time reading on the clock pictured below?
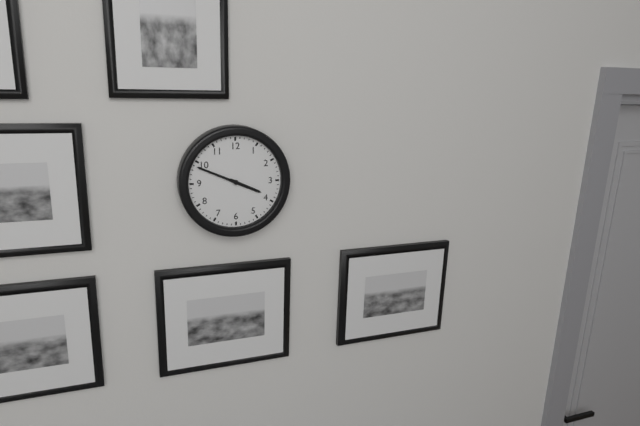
3:49
